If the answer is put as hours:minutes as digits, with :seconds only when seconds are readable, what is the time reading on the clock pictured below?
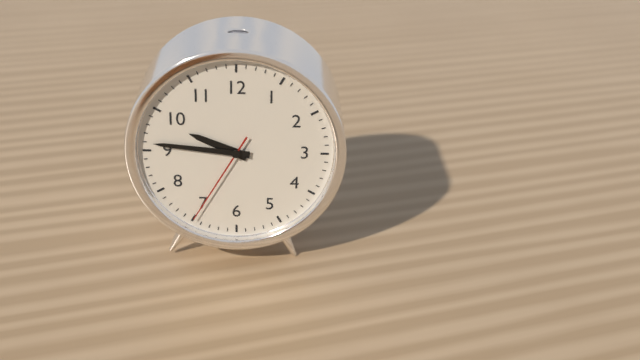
9:46:35
